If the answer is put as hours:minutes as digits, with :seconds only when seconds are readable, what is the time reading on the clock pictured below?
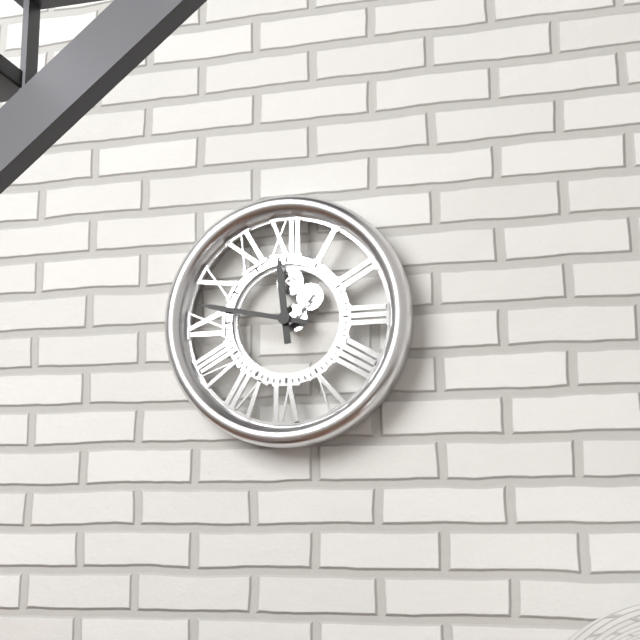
11:47
